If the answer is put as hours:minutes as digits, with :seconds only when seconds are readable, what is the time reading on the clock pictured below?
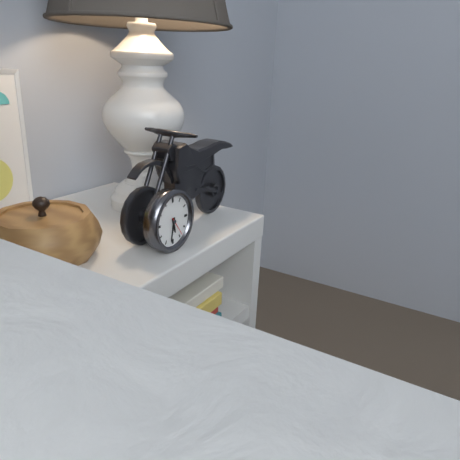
5:32
